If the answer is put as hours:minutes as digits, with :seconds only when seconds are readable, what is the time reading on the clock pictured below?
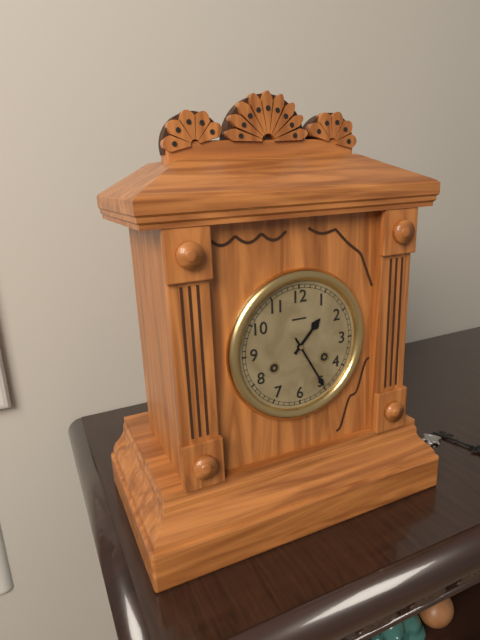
1:25
